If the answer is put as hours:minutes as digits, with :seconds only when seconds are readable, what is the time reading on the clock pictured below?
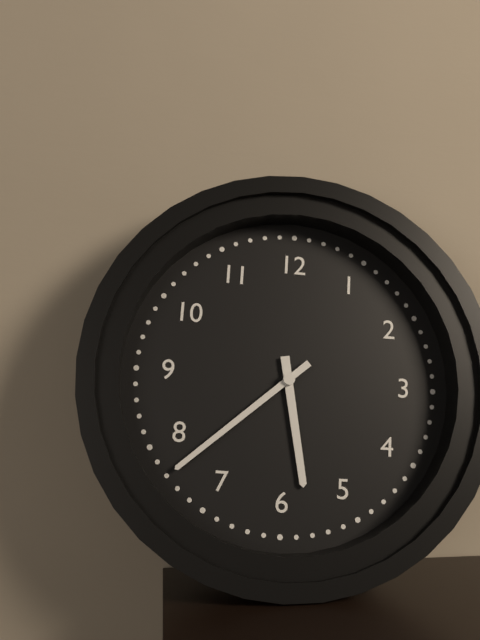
5:38
